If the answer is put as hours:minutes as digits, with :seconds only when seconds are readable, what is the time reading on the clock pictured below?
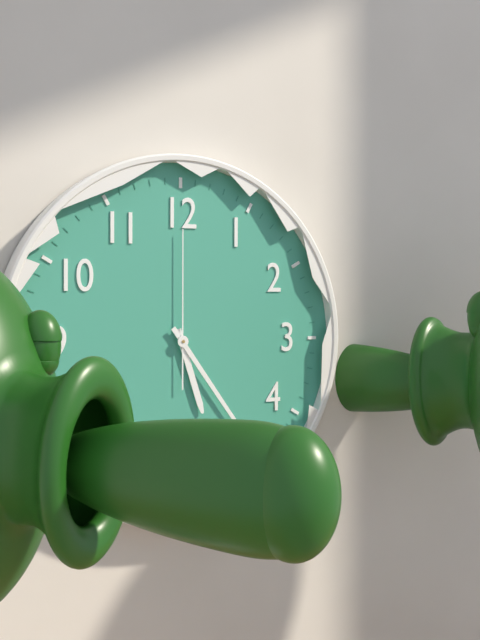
5:24:00
